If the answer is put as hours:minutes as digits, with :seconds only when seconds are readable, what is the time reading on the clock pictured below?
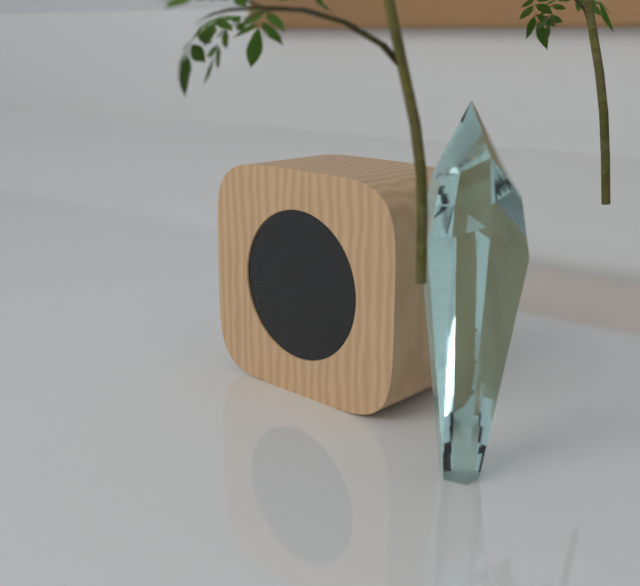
5:34:52
